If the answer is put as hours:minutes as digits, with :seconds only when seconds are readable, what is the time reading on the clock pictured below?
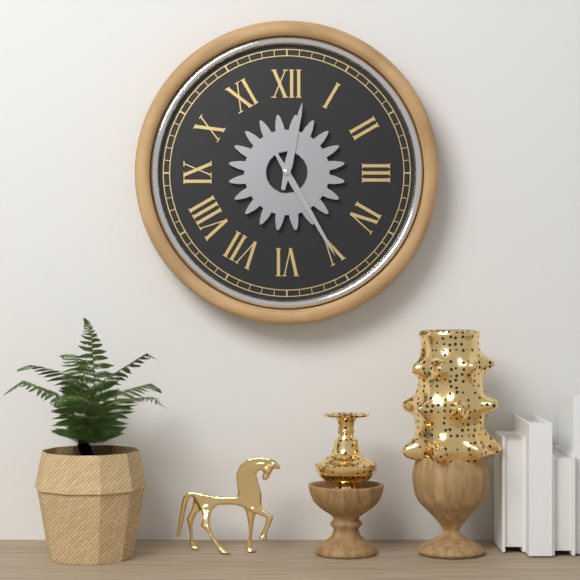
12:25
